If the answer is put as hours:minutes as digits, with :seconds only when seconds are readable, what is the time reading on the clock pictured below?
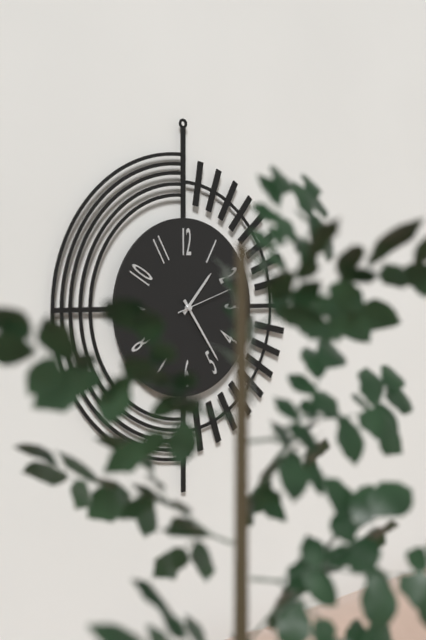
1:24:12
